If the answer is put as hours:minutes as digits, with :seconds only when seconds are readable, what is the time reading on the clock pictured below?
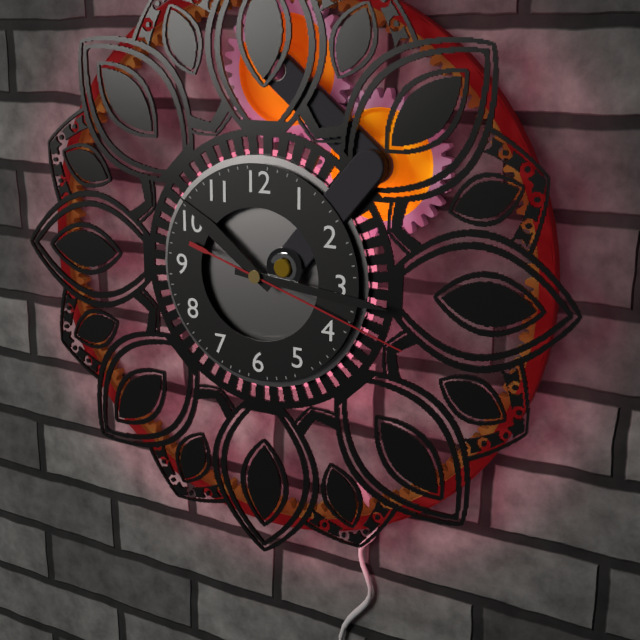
10:16:18
